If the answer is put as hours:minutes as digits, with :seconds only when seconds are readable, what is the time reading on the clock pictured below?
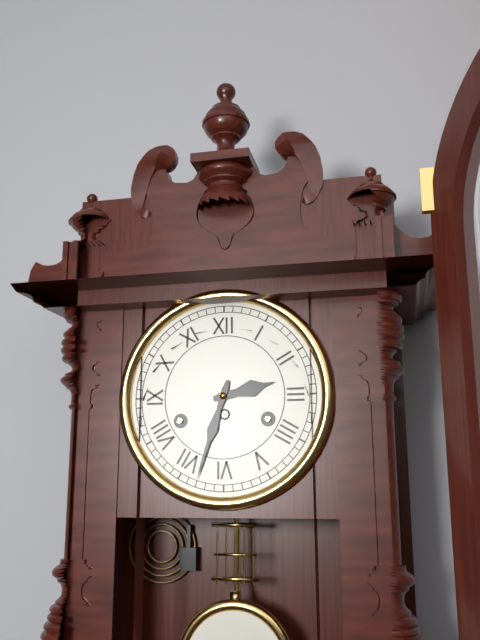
2:33
